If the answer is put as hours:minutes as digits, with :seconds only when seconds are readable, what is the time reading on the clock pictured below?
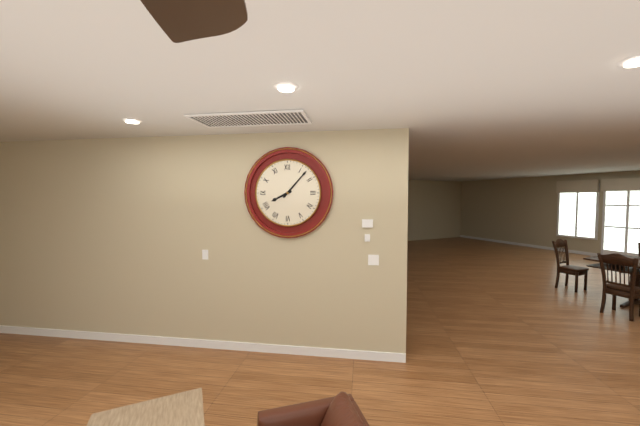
8:07
